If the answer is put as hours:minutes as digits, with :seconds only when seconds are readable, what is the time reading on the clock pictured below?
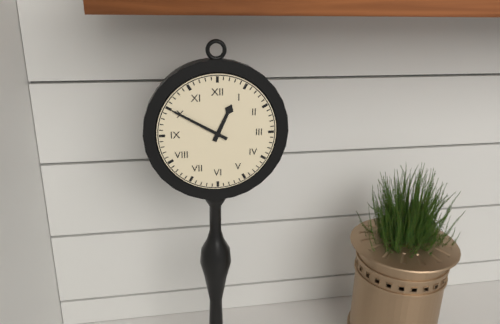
12:50
